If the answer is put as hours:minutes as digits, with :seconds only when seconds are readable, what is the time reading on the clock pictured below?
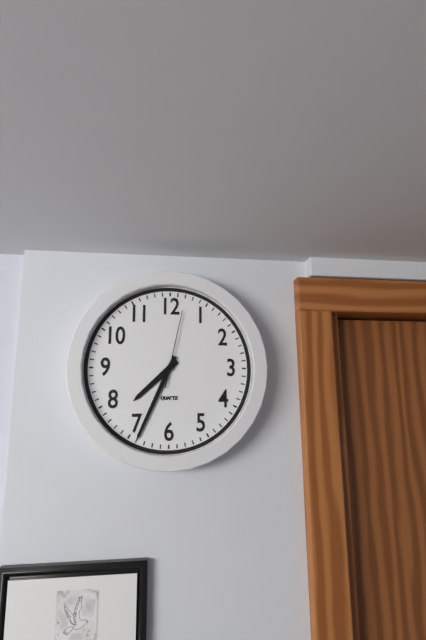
7:34:02
